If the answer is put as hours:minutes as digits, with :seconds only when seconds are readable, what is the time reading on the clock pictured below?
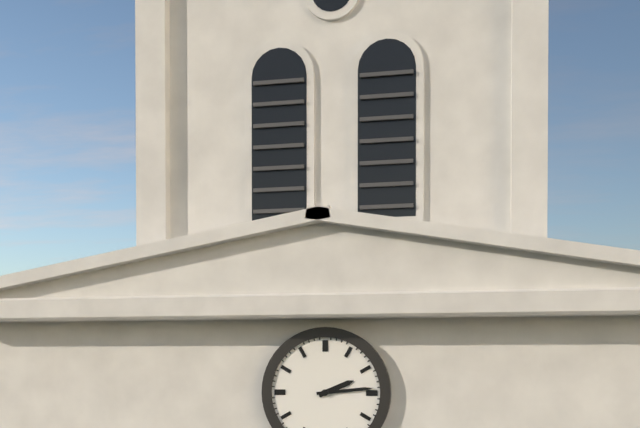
2:14
